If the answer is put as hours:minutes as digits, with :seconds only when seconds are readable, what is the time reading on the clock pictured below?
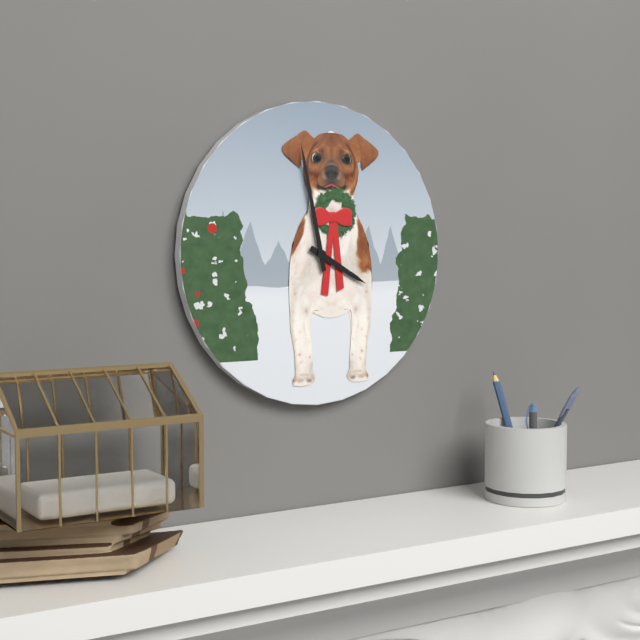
3:58
